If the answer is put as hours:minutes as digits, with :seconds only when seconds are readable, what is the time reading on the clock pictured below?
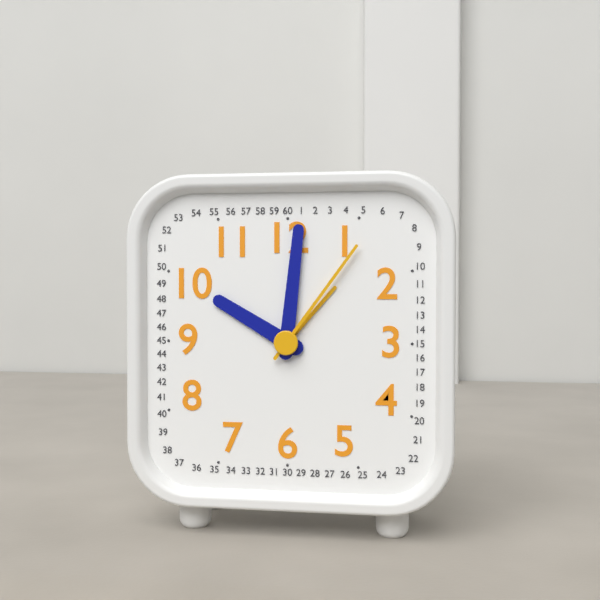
10:01:06
